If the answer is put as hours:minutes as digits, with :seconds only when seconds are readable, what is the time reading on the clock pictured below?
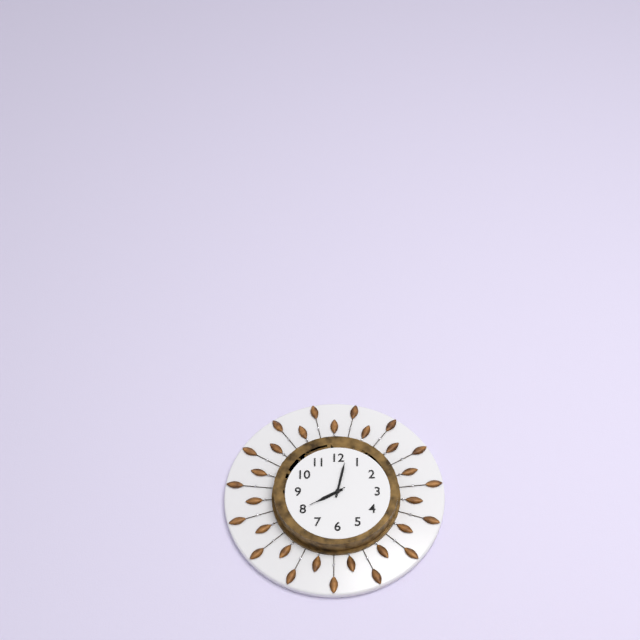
8:02
